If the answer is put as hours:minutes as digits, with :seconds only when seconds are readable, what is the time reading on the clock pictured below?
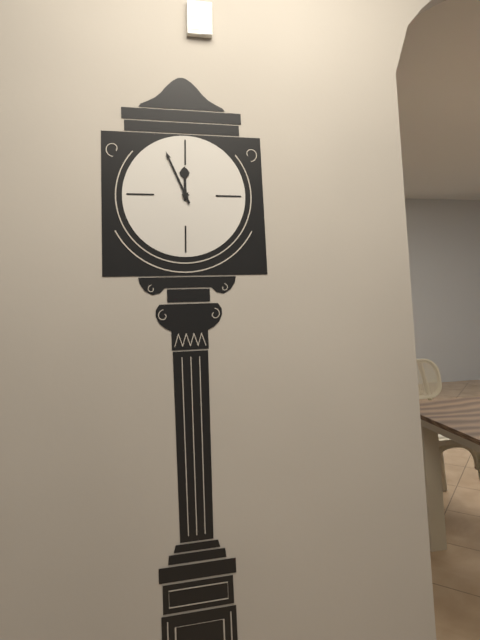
11:56
